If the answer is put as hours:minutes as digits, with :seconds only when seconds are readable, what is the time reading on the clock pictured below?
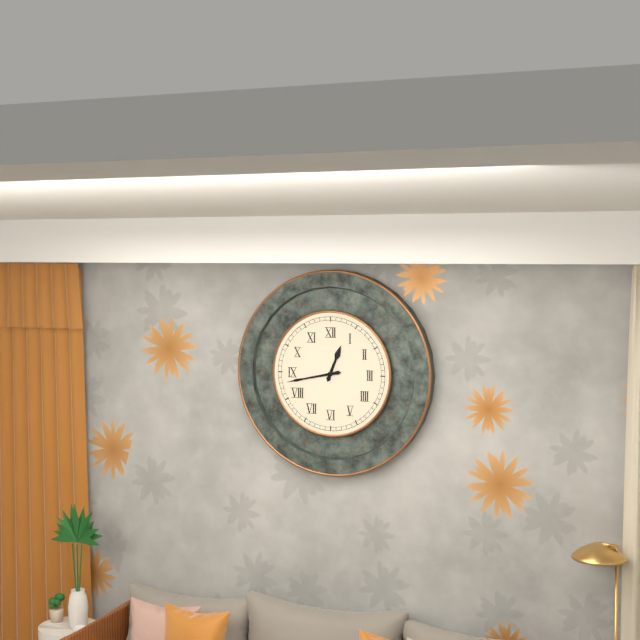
12:43
